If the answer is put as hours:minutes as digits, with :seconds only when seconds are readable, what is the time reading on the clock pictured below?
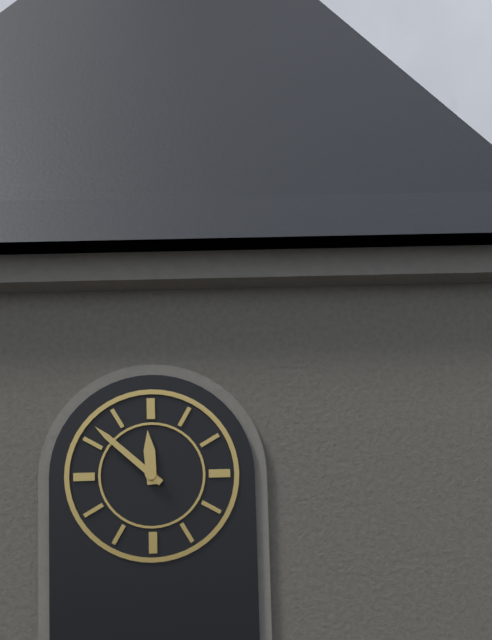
11:52
